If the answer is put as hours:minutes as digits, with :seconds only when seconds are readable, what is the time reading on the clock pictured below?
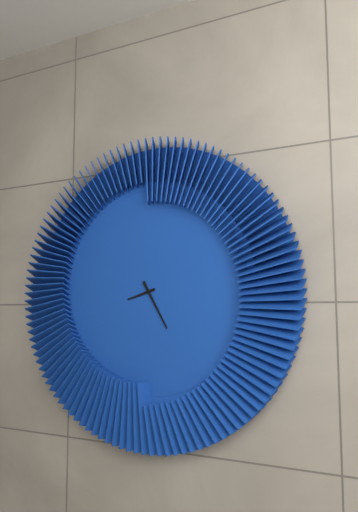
8:25
